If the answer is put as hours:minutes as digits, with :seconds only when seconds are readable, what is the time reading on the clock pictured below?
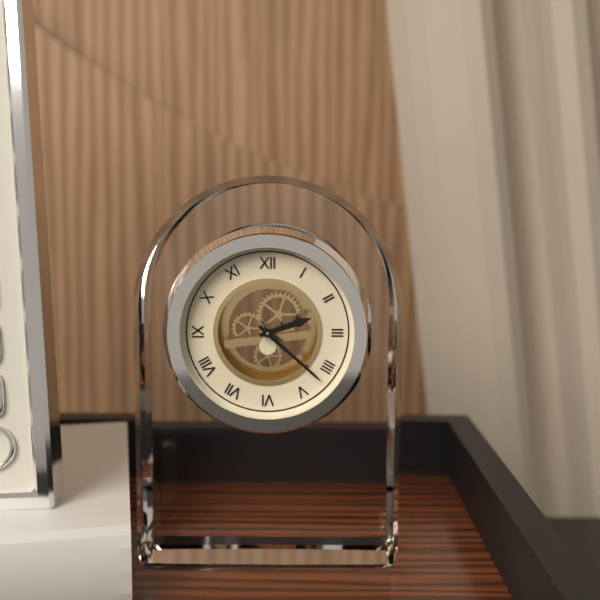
2:22
